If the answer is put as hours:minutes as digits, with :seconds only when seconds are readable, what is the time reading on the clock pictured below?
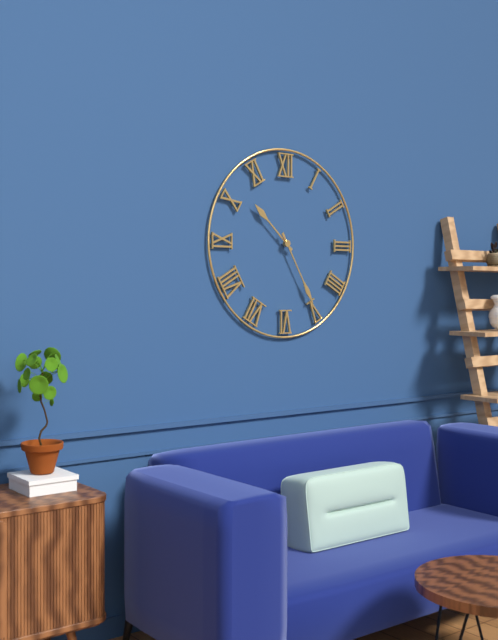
10:25
